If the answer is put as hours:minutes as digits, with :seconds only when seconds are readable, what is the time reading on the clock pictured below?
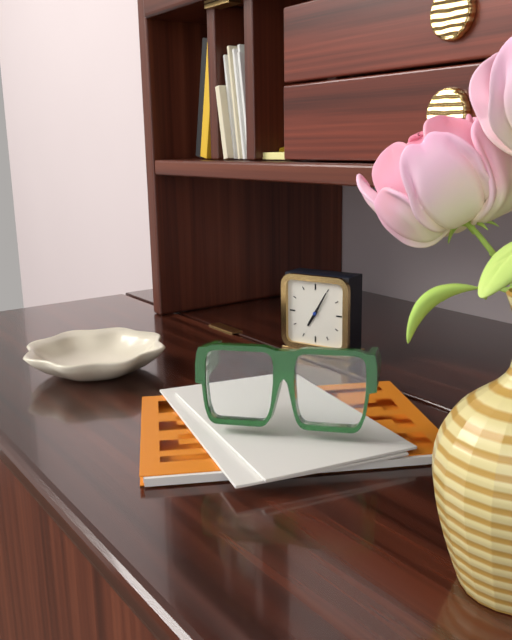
7:05
